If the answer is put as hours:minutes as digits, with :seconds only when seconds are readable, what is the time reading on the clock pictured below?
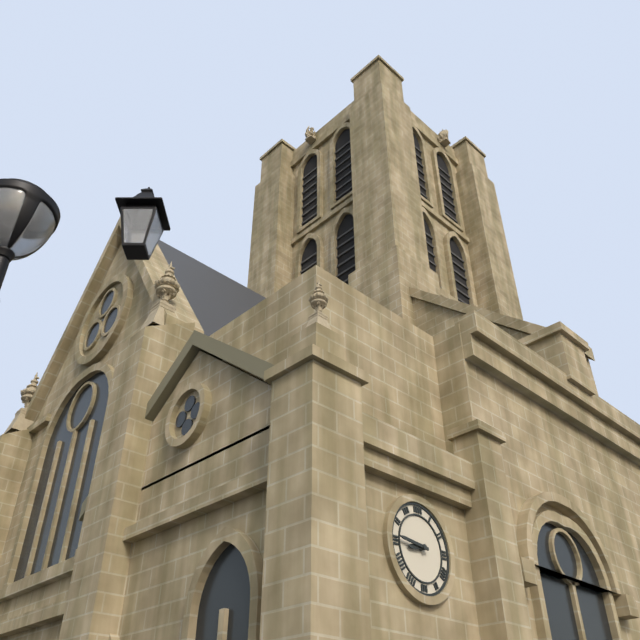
8:46
